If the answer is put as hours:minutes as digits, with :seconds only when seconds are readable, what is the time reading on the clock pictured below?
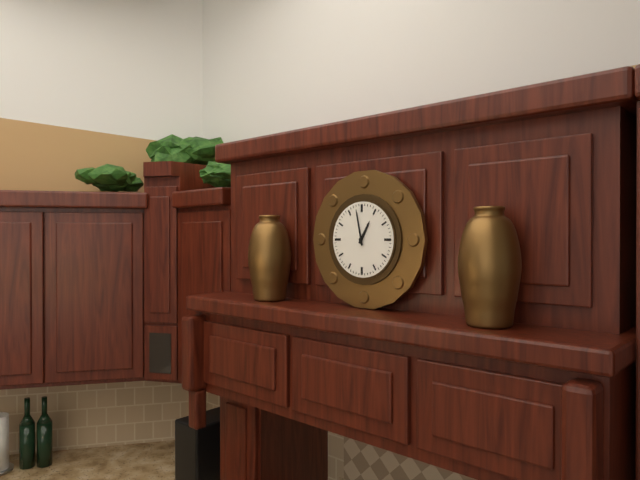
12:58
